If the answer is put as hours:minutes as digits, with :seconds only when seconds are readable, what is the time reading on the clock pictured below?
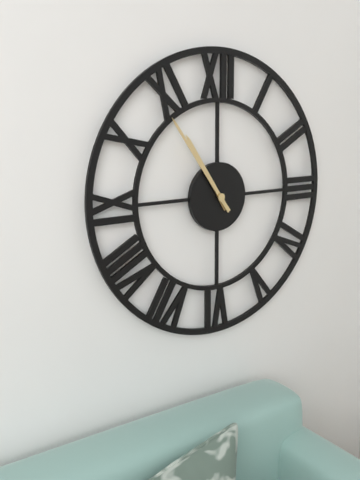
10:54
